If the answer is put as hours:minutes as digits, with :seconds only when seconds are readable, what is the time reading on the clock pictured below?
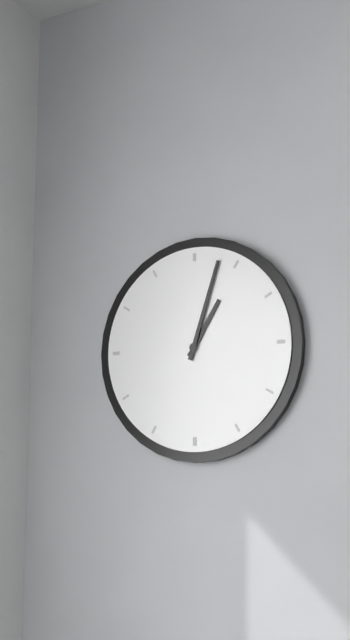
1:03
